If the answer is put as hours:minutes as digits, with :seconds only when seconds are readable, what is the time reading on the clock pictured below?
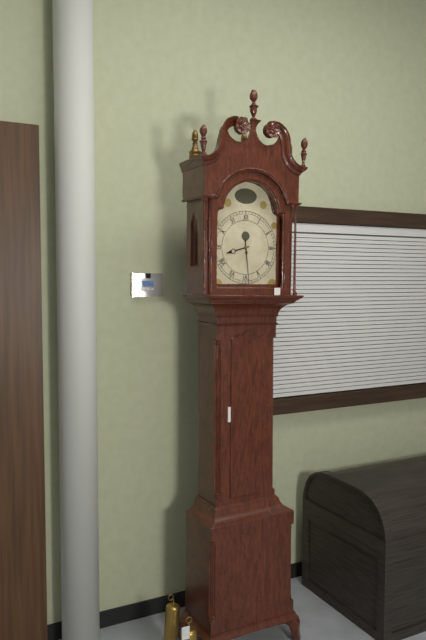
8:29
